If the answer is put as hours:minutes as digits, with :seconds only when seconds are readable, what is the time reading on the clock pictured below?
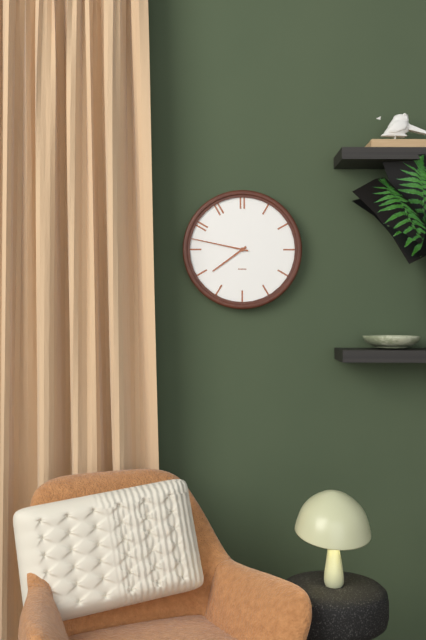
7:47
